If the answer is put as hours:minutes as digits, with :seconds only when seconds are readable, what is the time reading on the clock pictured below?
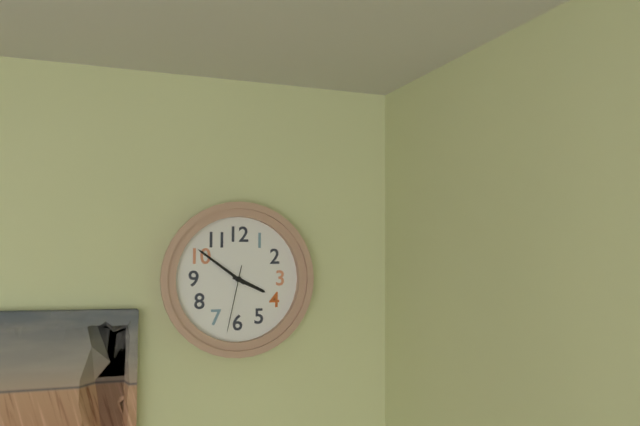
3:51:32
